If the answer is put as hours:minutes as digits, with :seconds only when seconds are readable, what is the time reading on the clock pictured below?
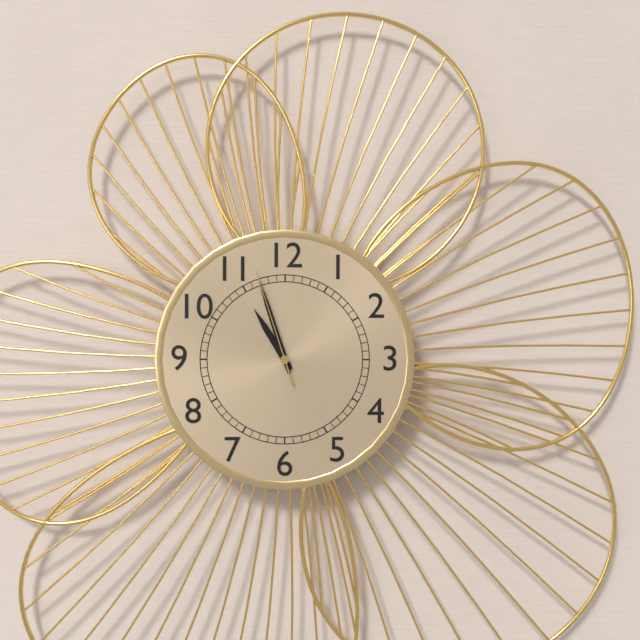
10:57:57
